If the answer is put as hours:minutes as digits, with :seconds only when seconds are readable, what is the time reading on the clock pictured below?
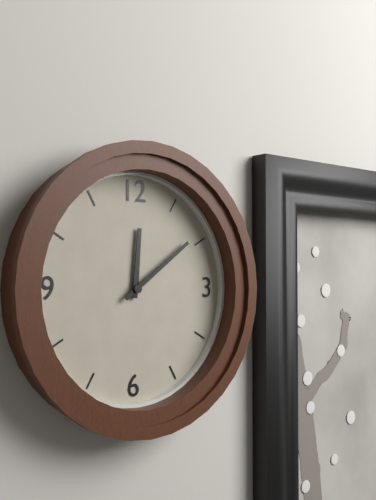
12:09
